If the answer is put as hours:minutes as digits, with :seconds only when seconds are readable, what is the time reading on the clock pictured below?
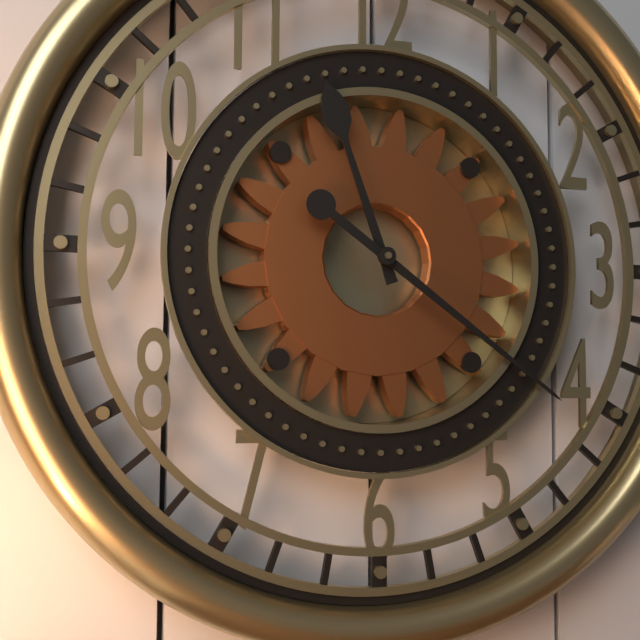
11:21
